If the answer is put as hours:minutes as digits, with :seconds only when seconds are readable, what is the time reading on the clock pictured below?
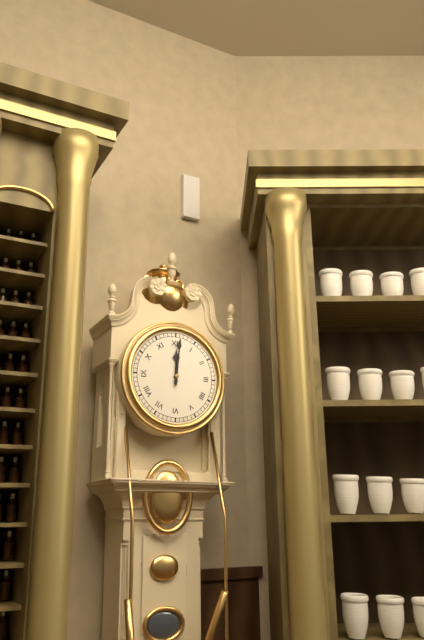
12:01
